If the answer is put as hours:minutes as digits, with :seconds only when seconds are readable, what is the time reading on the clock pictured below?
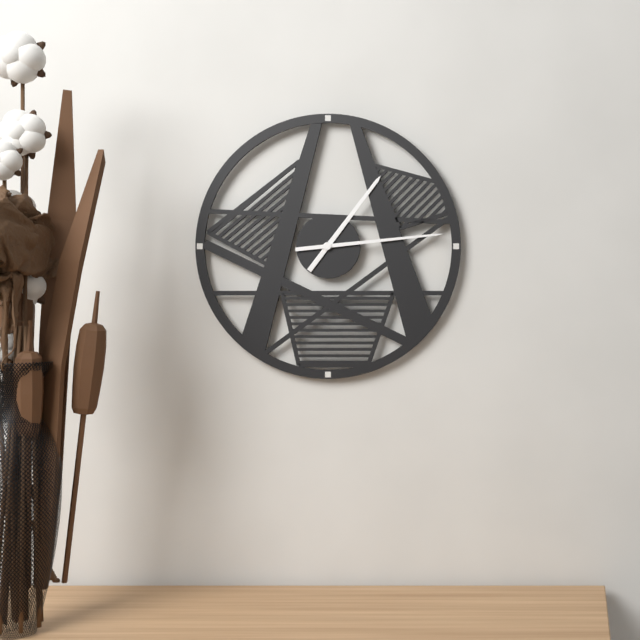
1:14
